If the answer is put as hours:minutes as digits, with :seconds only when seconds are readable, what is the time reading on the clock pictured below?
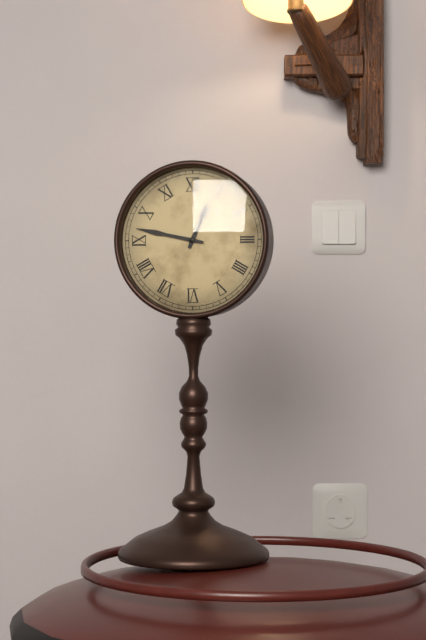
12:47
